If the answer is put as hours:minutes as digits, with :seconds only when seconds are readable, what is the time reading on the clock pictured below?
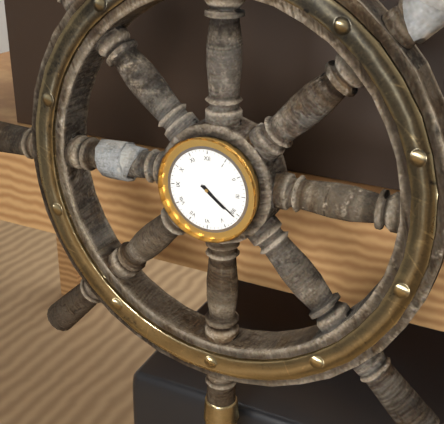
4:21
